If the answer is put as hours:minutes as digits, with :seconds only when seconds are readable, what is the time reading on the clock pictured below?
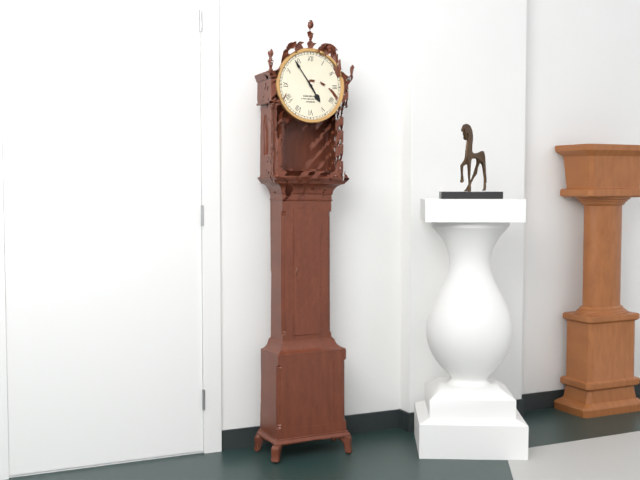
4:54
